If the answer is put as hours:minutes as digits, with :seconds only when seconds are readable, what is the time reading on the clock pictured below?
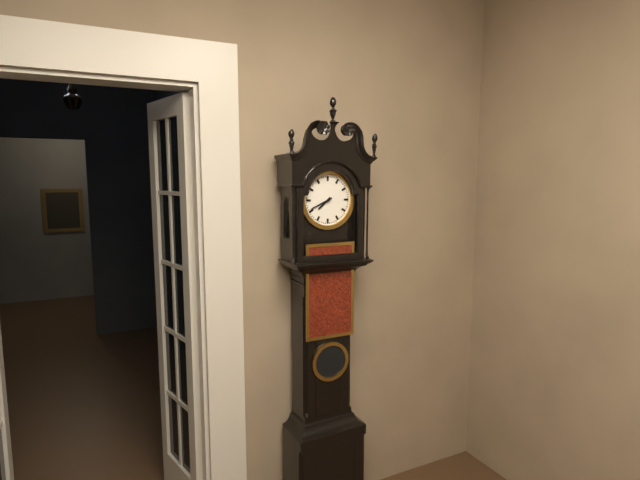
7:41
